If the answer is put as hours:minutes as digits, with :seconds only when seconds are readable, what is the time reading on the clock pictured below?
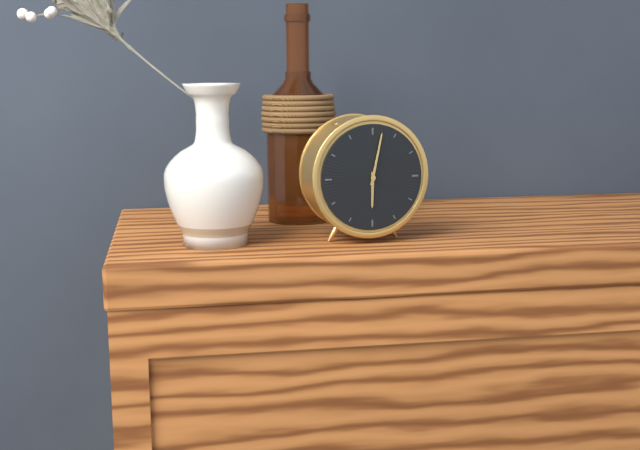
6:02
